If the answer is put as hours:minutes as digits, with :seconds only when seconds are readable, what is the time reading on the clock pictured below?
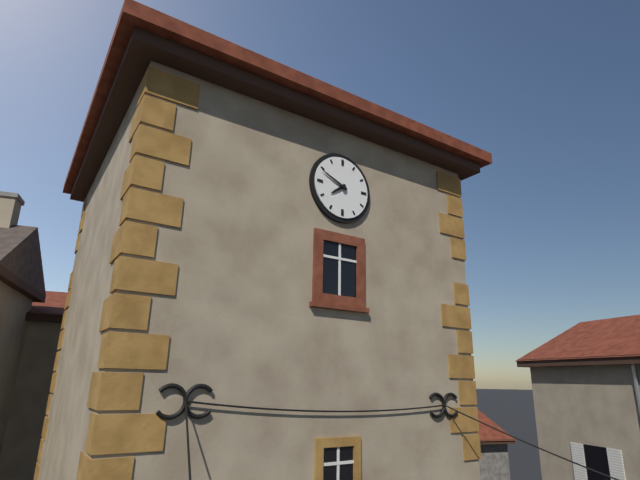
7:49
